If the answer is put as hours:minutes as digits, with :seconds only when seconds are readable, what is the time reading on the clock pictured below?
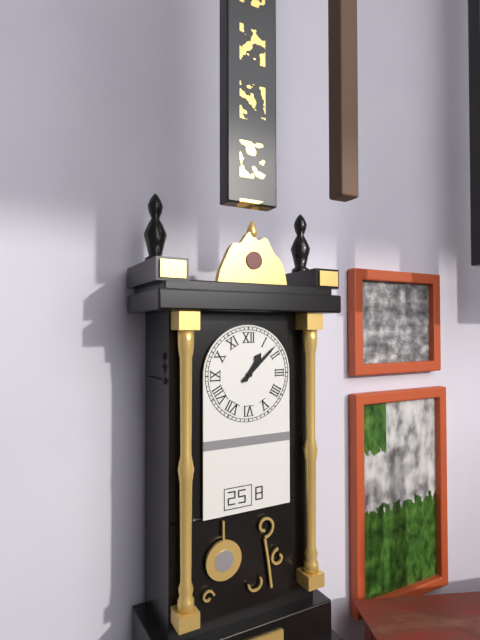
1:08
